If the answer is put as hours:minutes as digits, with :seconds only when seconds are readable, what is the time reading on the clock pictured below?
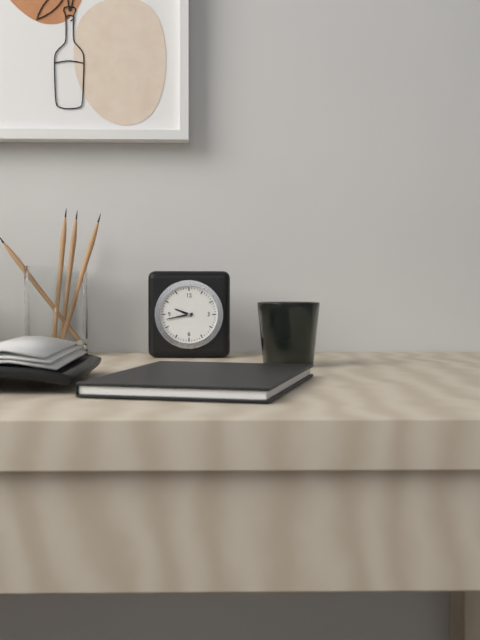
9:43
